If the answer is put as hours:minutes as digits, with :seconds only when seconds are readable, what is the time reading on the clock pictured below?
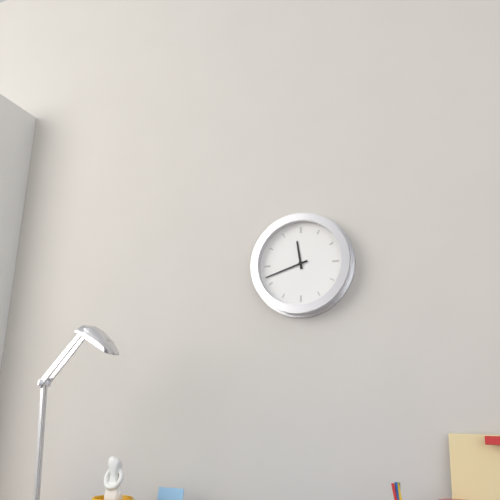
11:42
